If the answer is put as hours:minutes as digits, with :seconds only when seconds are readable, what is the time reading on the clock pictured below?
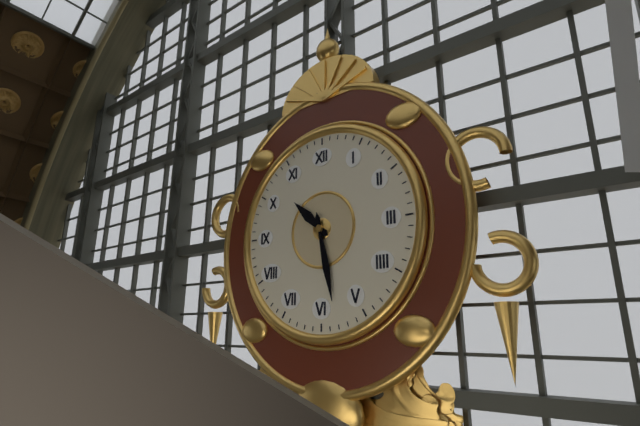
10:28
